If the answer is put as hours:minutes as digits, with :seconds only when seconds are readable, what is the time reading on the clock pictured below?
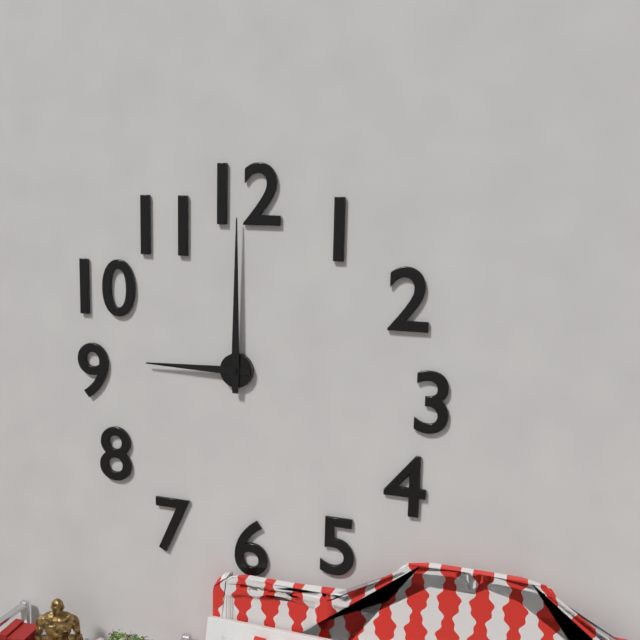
9:00
